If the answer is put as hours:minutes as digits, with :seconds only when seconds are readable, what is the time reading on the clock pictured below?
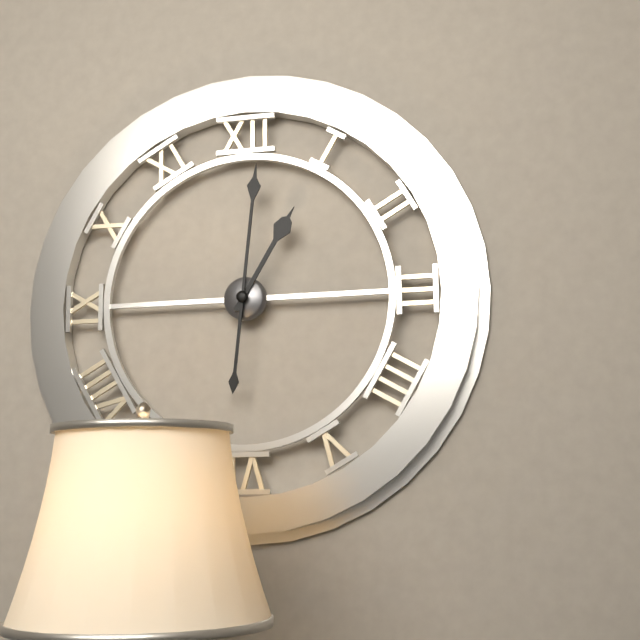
1:01
